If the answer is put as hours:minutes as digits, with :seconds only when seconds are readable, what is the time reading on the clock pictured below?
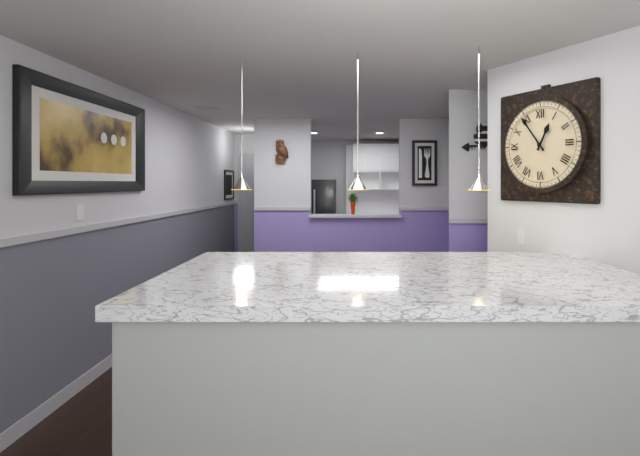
12:54
